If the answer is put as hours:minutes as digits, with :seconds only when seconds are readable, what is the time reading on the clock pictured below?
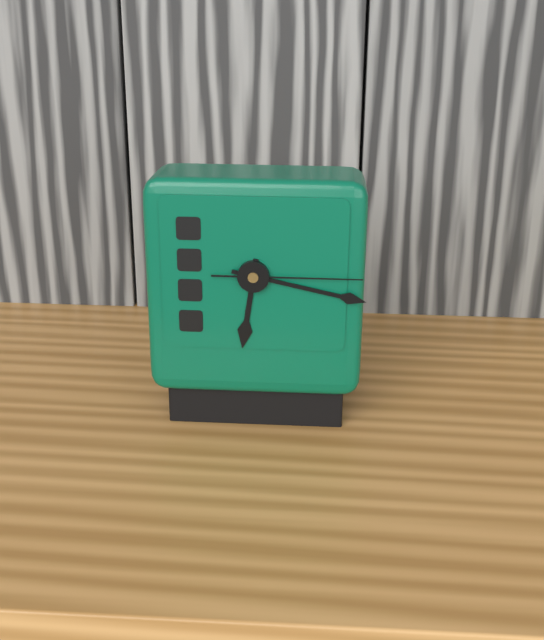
6:17:15
